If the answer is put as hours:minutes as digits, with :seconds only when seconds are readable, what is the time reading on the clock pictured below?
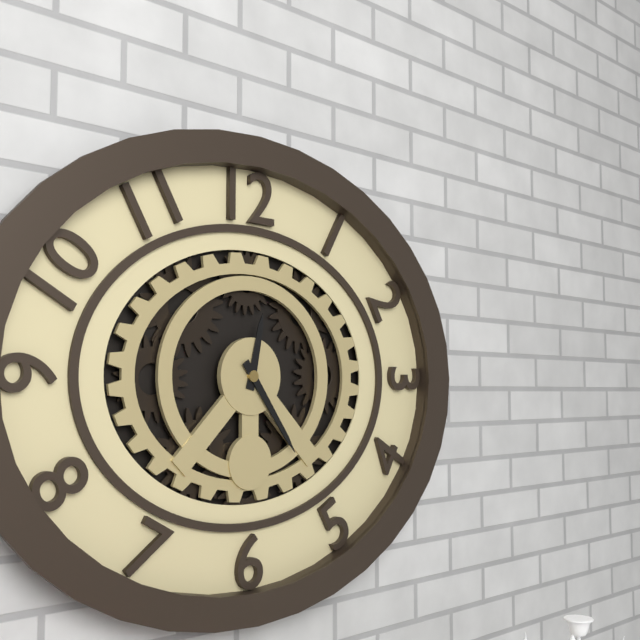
12:24
